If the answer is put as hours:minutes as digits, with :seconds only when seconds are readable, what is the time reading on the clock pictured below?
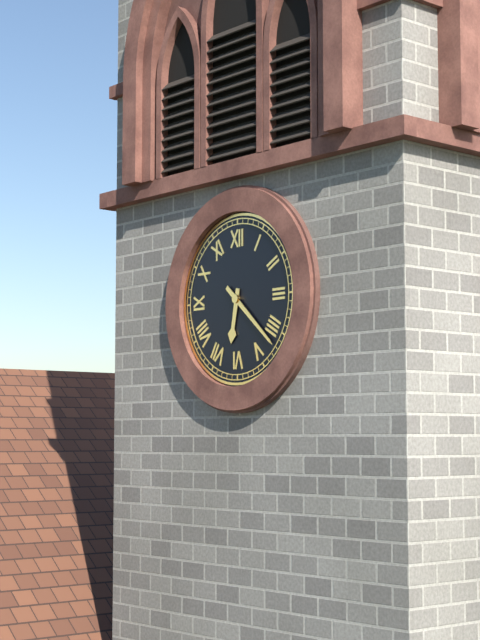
6:22
